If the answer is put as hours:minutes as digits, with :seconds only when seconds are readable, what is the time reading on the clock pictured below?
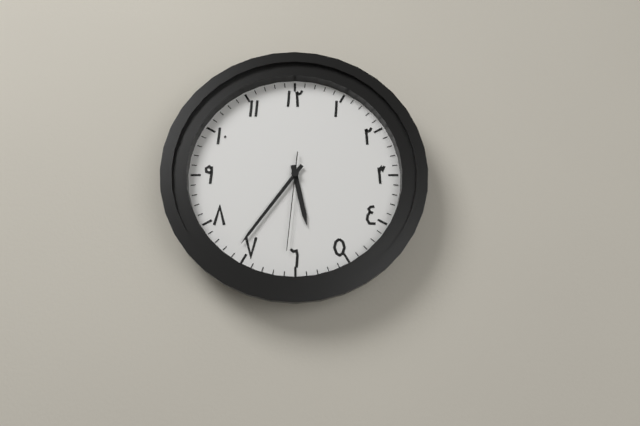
5:36:31
